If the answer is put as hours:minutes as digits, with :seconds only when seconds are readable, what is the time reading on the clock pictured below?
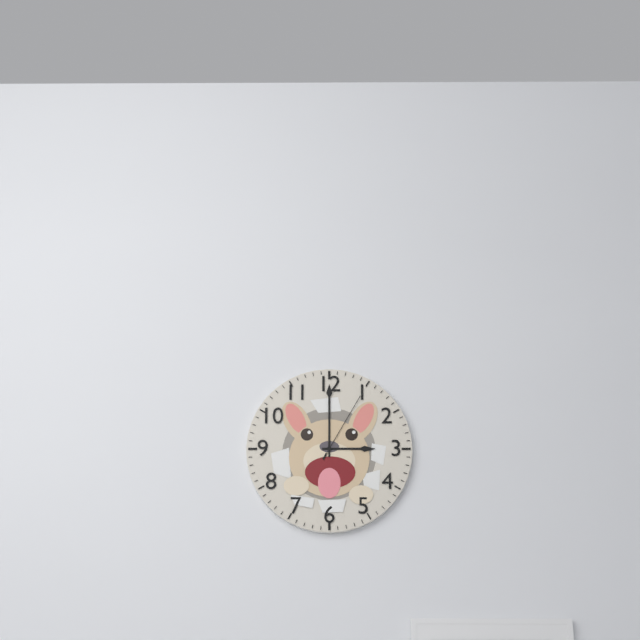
3:00:05
